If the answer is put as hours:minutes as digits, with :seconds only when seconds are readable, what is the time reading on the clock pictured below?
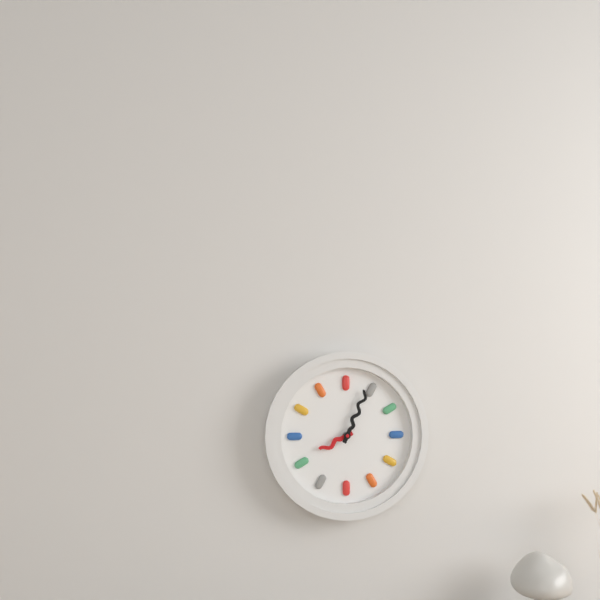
8:04
